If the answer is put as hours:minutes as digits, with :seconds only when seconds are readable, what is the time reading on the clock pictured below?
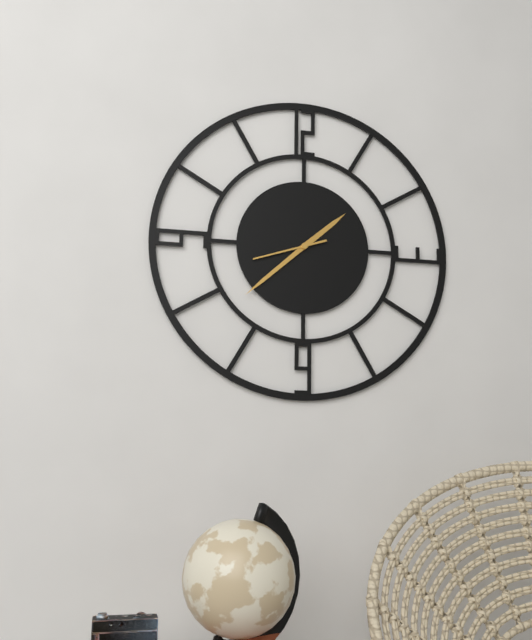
1:38:42
